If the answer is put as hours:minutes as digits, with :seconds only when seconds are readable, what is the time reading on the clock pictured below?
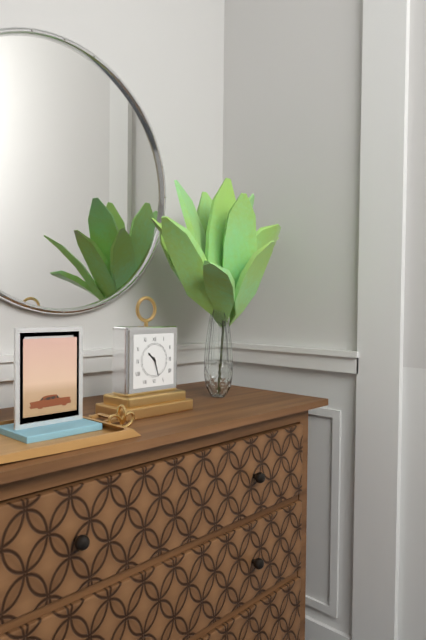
10:27
